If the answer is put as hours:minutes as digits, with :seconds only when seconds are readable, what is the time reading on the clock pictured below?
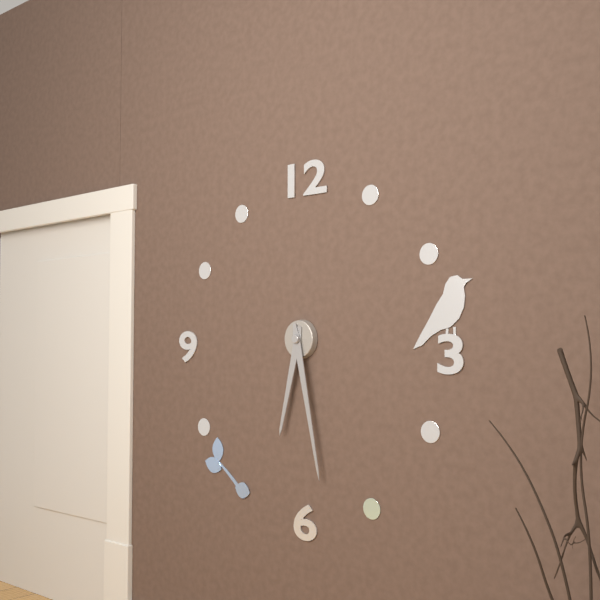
6:28
